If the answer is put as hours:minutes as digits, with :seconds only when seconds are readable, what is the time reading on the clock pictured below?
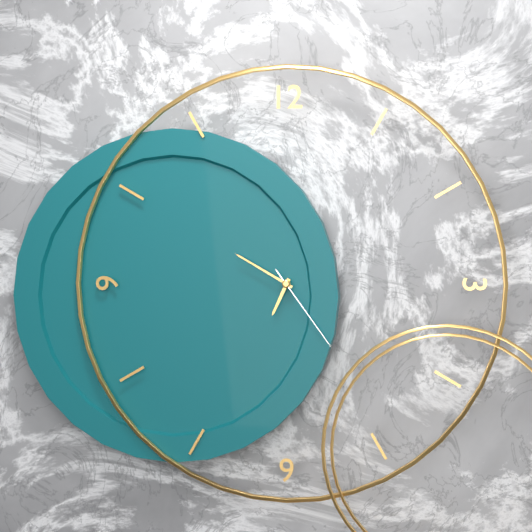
6:50:24
